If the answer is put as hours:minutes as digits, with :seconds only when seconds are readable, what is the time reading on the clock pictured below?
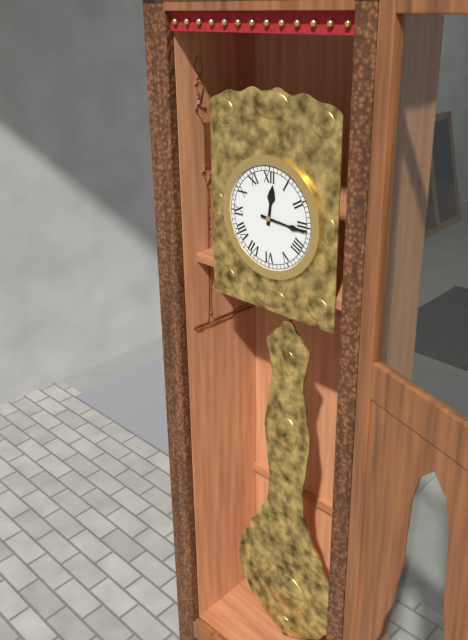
12:16
